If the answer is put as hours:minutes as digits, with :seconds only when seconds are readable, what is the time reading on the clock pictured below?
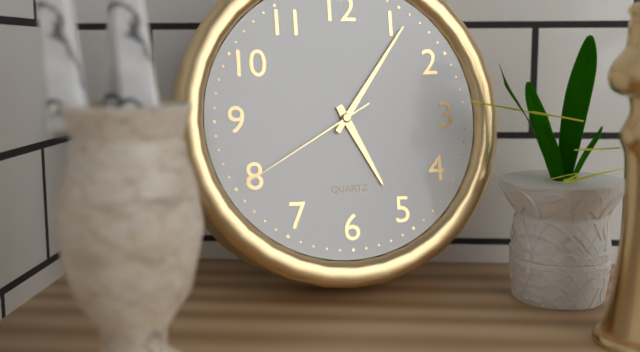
5:06:40
